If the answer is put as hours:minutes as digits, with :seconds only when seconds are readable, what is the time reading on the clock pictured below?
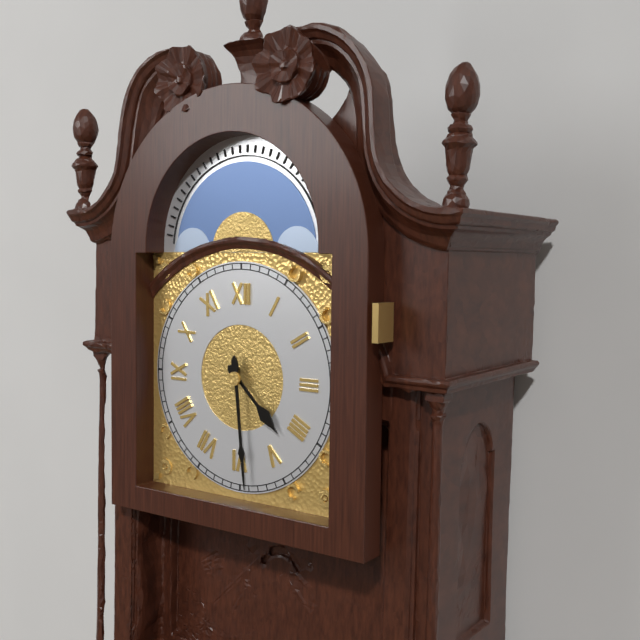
4:29
